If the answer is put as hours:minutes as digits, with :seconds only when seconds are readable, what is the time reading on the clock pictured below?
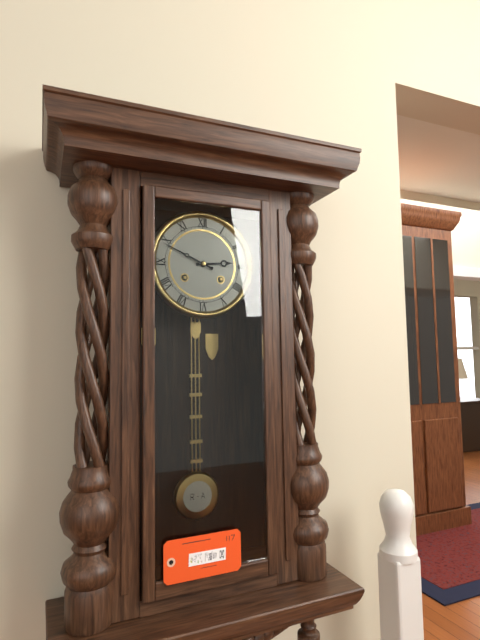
2:49
